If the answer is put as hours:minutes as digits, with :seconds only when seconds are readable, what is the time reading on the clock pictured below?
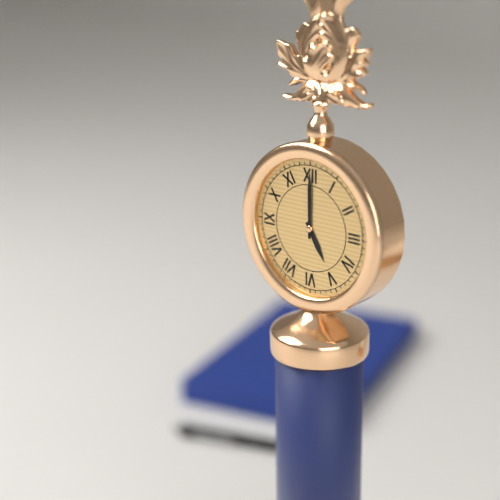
5:00
